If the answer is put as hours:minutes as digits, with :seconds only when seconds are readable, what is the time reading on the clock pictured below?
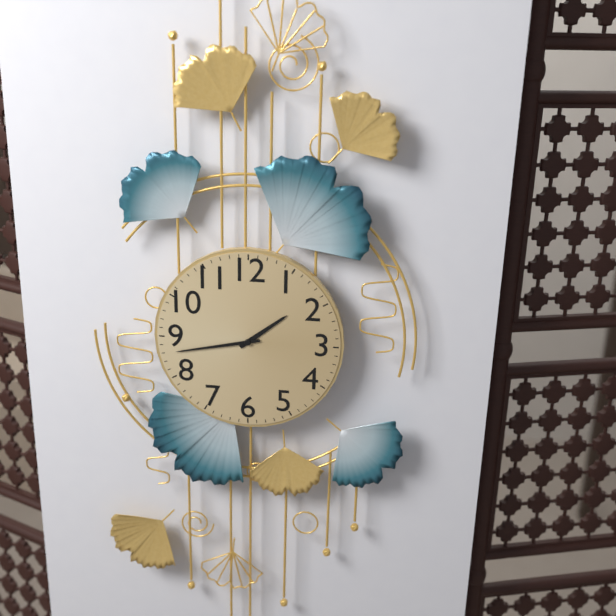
1:43
